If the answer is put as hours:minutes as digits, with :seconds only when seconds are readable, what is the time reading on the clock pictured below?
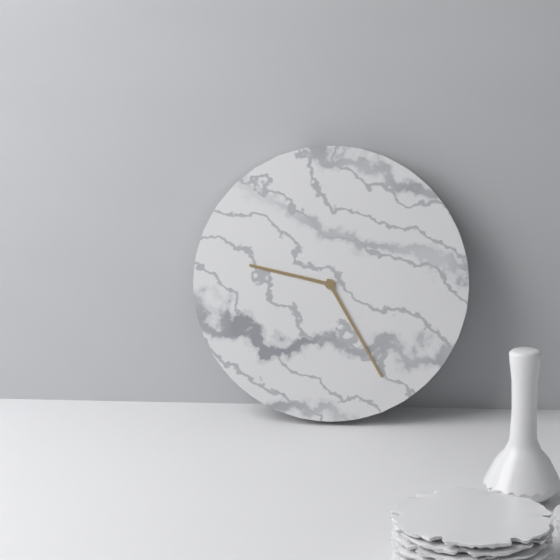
9:25
